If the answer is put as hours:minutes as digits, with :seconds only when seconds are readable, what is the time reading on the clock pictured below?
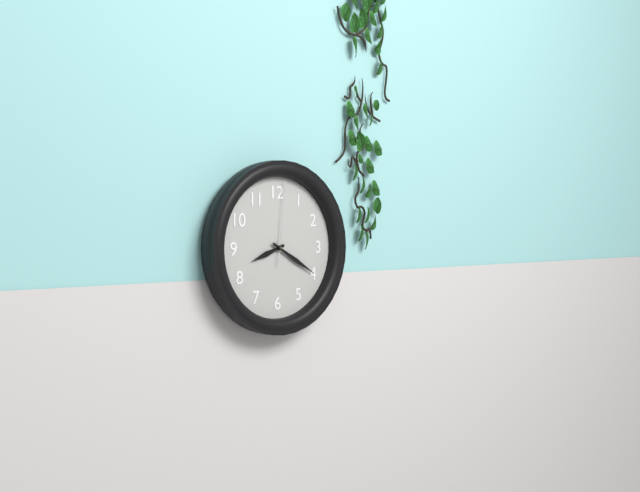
8:20:01
